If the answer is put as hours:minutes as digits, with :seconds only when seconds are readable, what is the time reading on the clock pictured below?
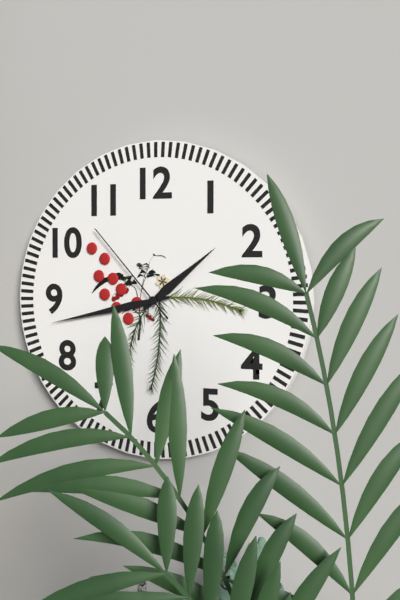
1:43:53
